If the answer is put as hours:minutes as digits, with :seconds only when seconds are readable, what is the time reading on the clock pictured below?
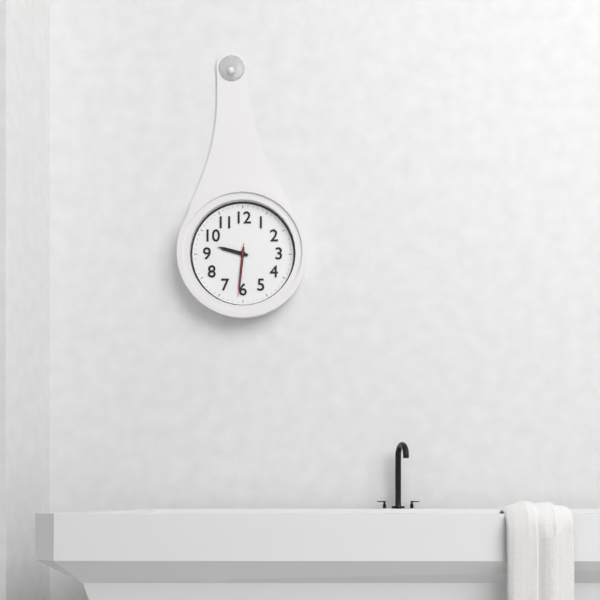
9:31:31
